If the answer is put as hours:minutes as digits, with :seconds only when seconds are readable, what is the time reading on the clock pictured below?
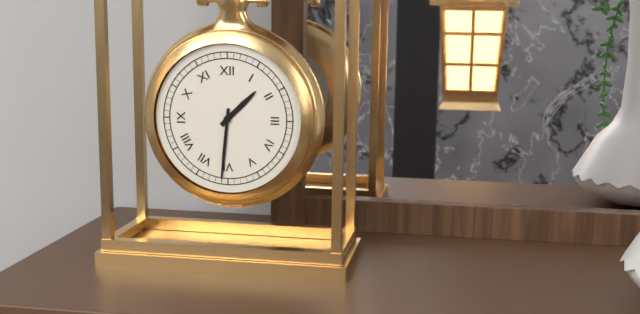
1:31
